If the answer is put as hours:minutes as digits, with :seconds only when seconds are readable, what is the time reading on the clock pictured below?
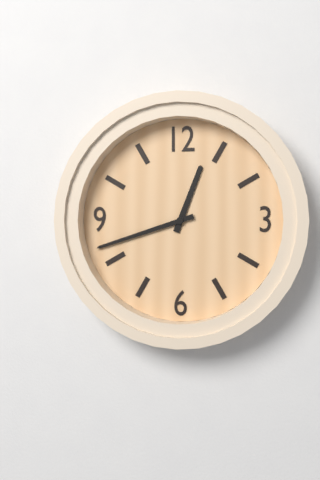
12:42
